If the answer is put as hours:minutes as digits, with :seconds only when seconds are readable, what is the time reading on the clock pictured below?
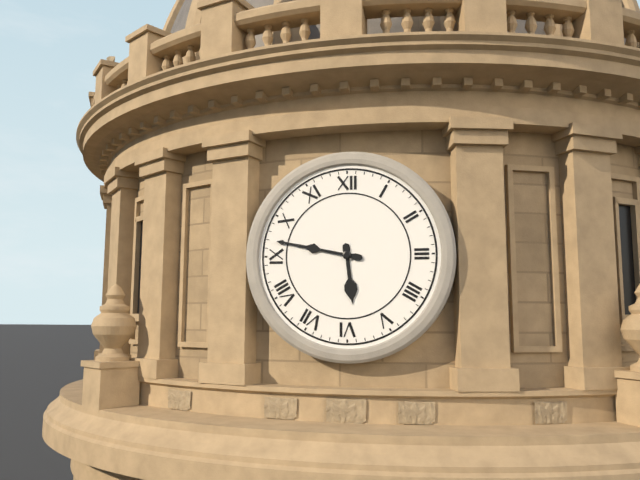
5:47
